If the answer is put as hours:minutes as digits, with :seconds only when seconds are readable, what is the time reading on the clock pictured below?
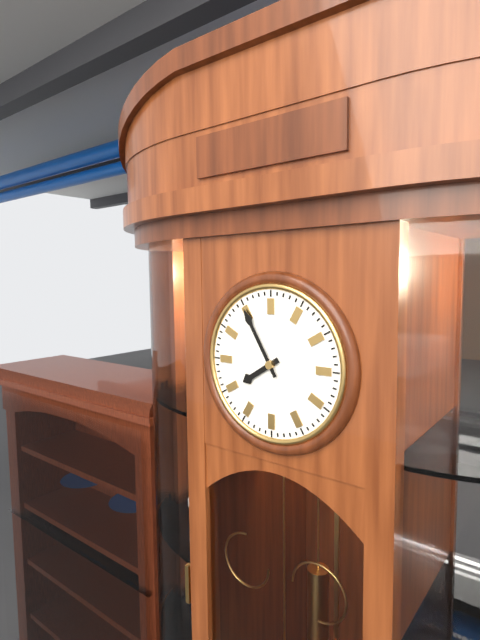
7:55
